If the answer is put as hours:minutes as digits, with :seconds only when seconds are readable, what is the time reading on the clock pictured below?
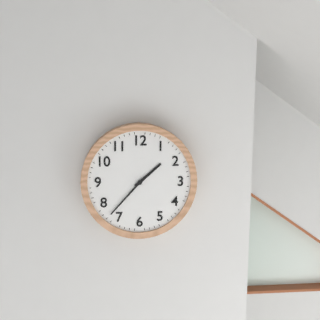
1:37
